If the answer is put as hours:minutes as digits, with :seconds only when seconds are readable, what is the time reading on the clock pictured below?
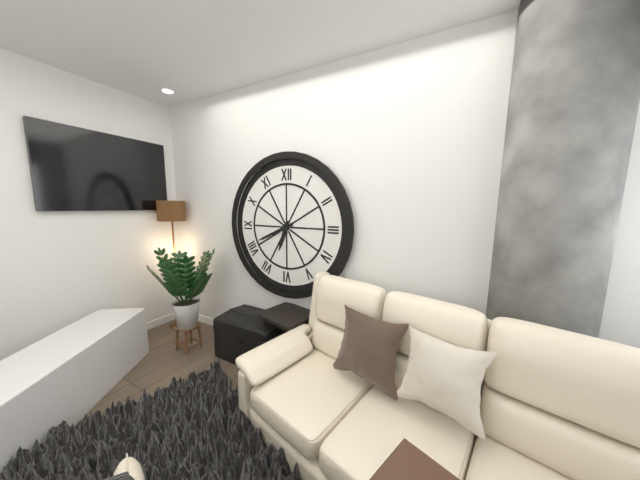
6:41
